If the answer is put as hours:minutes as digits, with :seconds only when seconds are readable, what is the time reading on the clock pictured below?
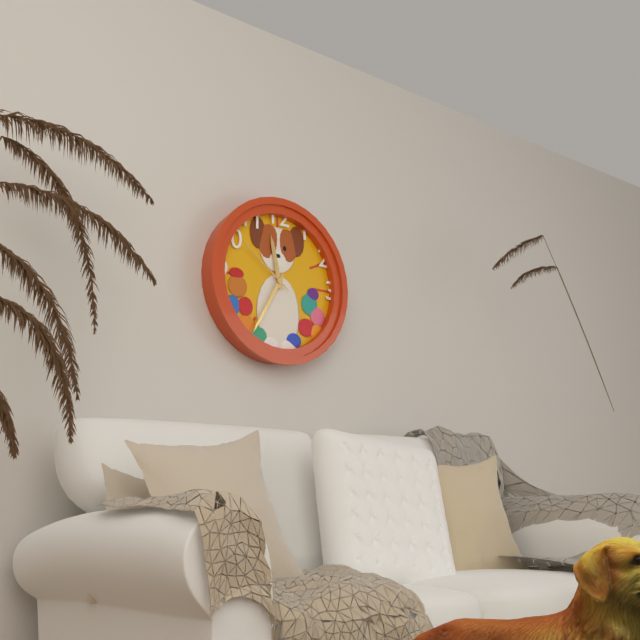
11:35:51
